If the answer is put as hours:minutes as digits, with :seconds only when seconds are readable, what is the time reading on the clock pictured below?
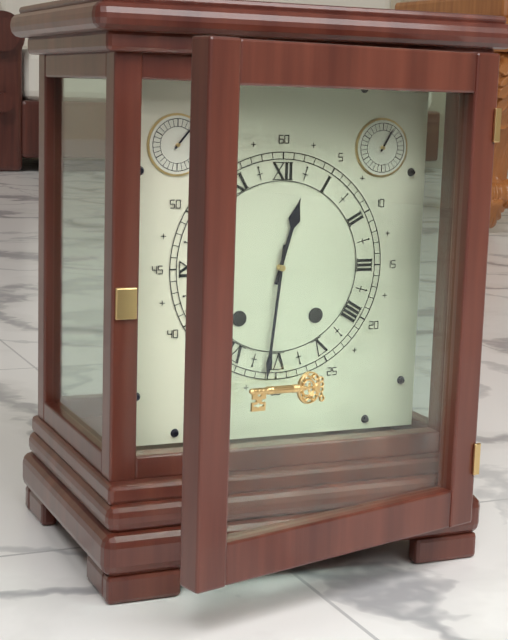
12:31
